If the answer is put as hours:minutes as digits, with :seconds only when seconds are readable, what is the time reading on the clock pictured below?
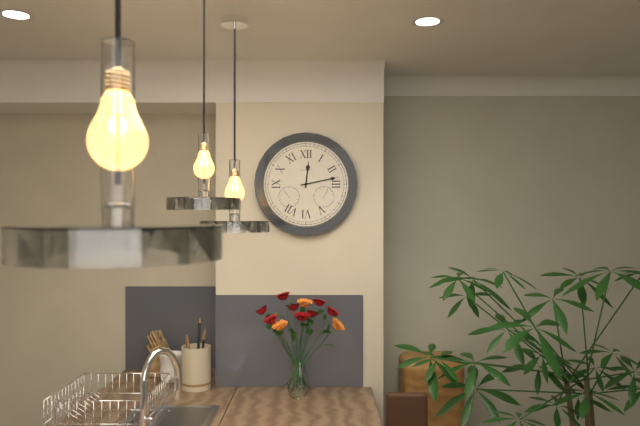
12:13
